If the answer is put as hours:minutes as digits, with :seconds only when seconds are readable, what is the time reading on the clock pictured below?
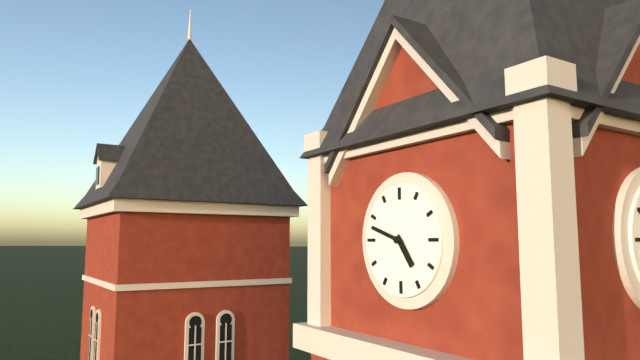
4:48
